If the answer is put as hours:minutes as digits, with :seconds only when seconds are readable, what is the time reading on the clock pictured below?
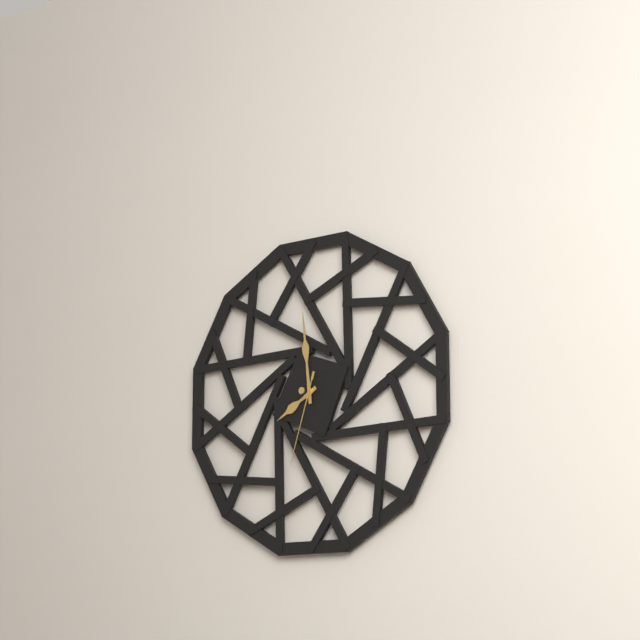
7:59:33
